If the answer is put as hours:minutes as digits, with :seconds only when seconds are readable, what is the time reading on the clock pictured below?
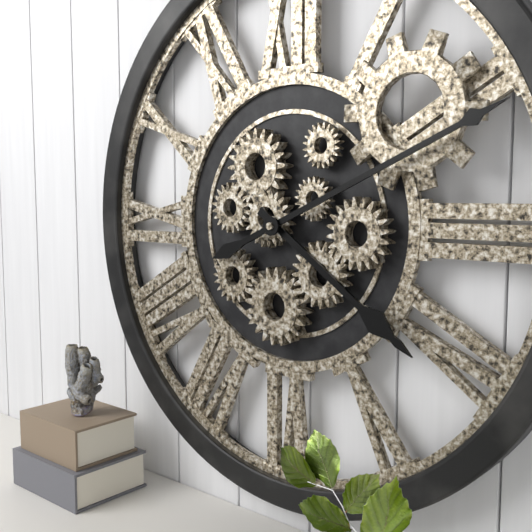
4:11
